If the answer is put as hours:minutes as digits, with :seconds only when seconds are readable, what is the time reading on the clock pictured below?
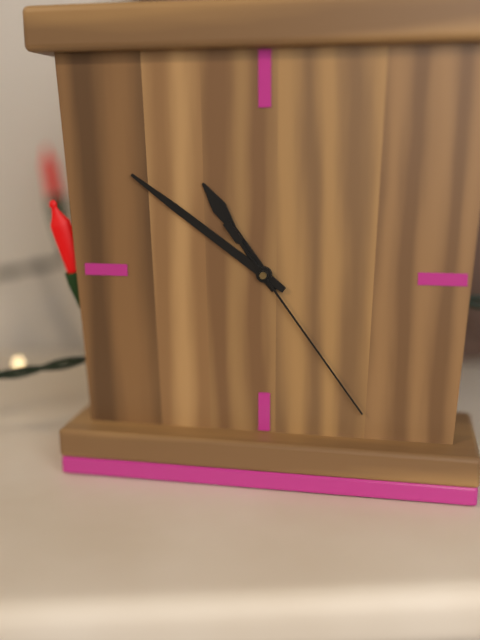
10:51:24
